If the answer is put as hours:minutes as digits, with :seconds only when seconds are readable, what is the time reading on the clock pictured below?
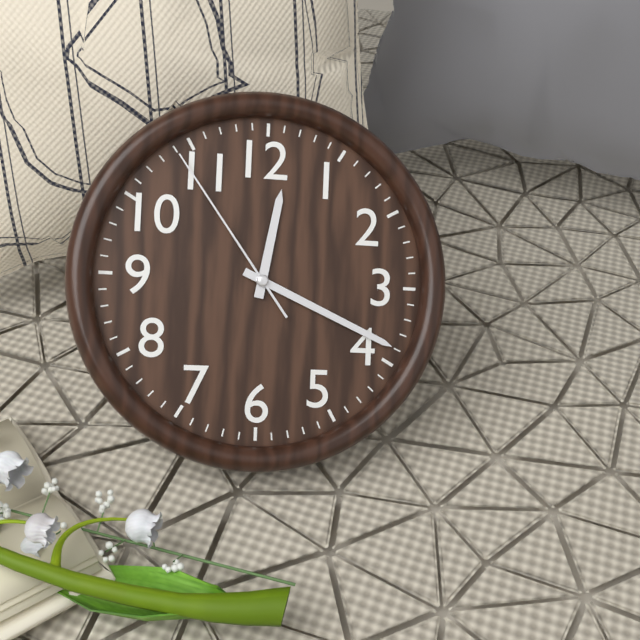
12:19:54
